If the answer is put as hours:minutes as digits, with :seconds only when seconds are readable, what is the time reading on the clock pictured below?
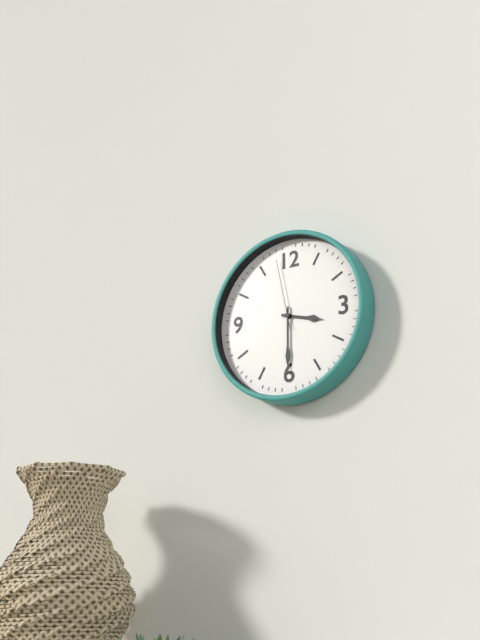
3:30:58
